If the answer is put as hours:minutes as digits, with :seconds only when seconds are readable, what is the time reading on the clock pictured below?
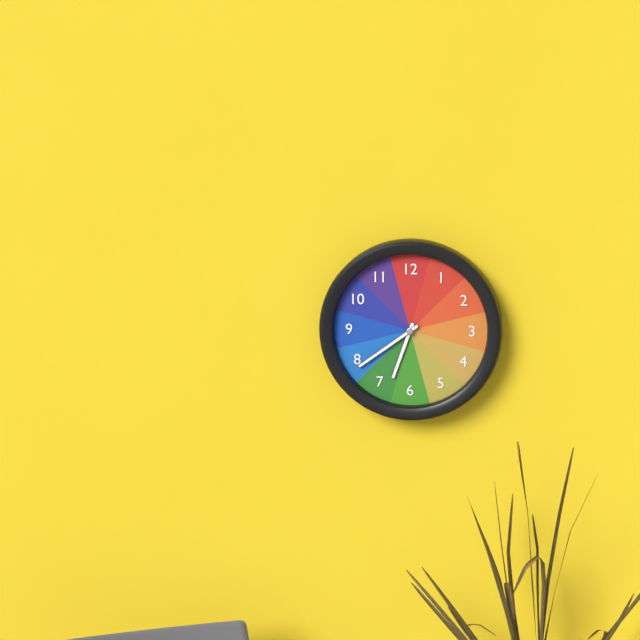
6:39
